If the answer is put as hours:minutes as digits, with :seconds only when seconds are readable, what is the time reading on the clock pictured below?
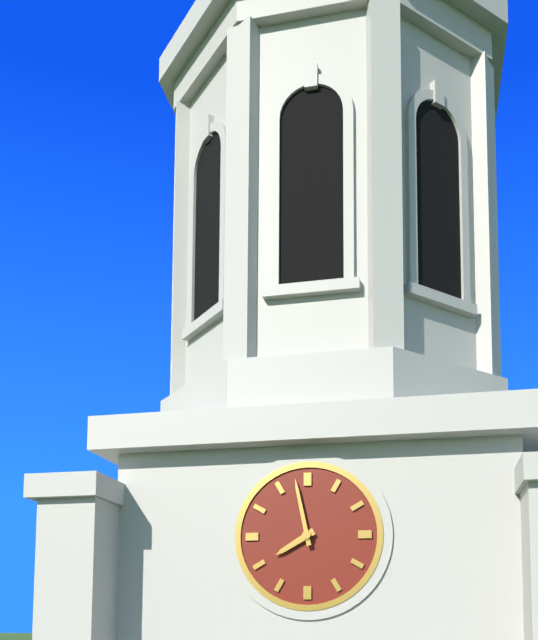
7:58
